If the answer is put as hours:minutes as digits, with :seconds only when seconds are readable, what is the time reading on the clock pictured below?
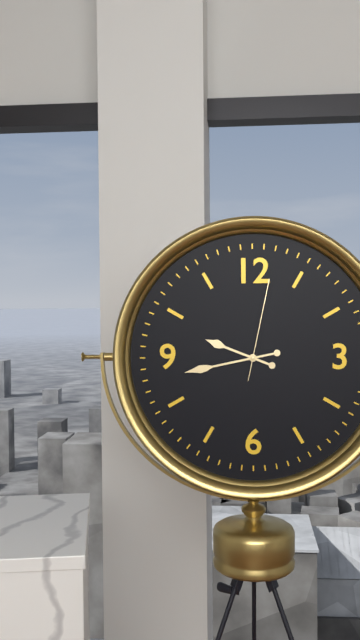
9:43:02
